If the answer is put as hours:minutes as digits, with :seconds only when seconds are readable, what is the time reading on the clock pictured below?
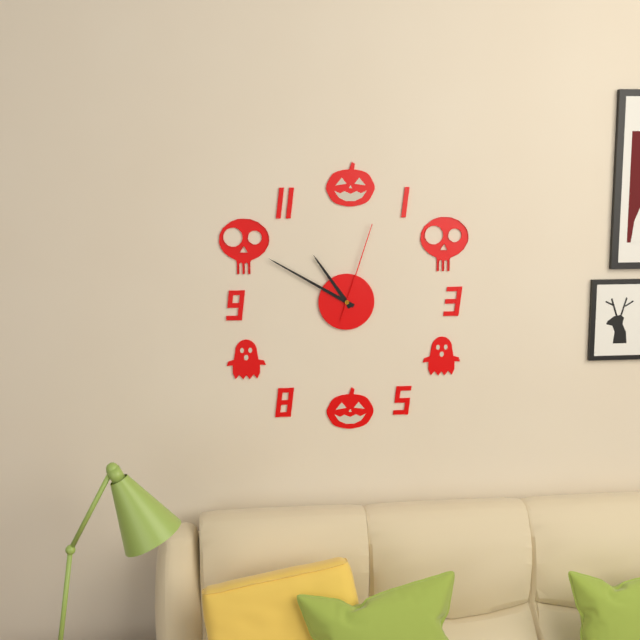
10:50:03
